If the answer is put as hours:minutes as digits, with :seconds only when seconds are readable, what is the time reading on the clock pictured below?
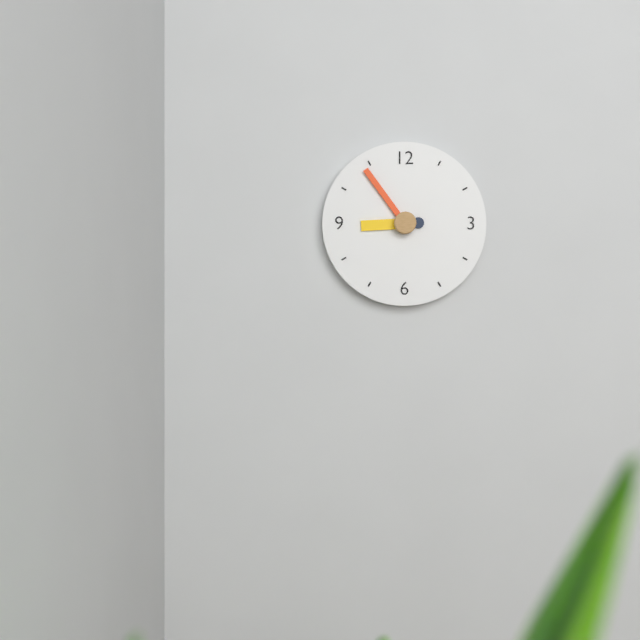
8:54
